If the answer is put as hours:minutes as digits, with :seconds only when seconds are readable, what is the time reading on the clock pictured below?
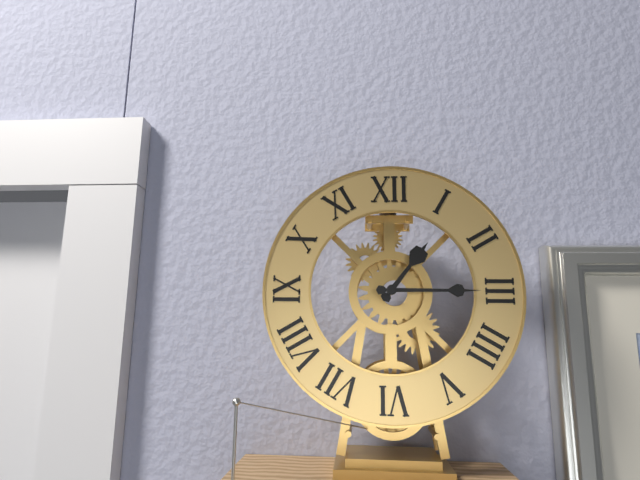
1:15
